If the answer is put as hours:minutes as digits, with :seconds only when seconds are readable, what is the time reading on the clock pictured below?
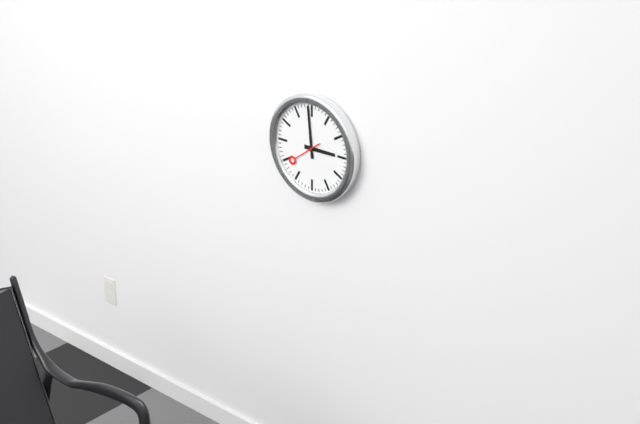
2:59
